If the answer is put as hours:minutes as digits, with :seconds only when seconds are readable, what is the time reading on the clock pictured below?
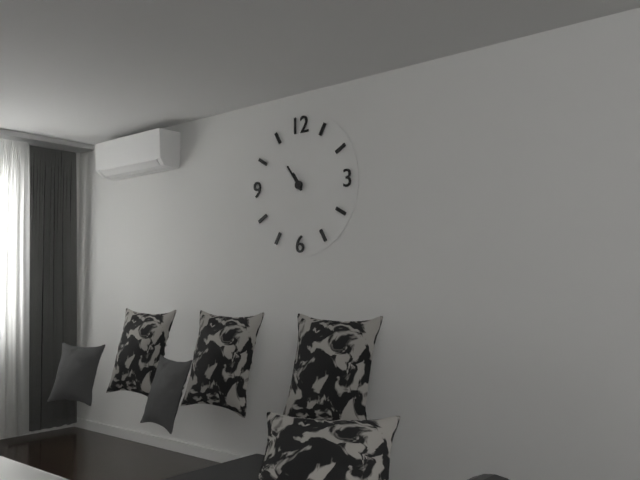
10:54
